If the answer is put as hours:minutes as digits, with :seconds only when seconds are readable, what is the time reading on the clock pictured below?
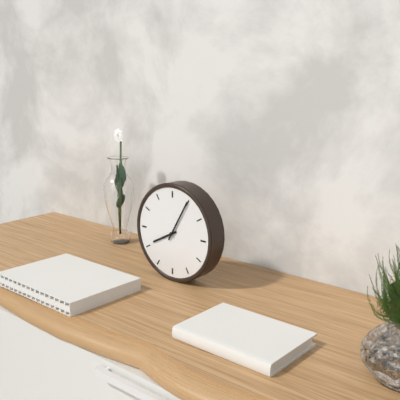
8:05
